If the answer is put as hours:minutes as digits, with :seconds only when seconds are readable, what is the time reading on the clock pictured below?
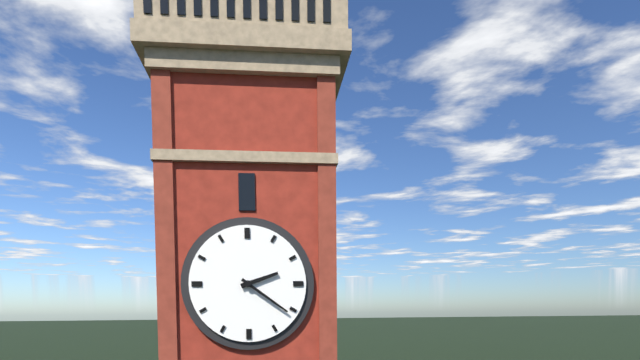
2:21
